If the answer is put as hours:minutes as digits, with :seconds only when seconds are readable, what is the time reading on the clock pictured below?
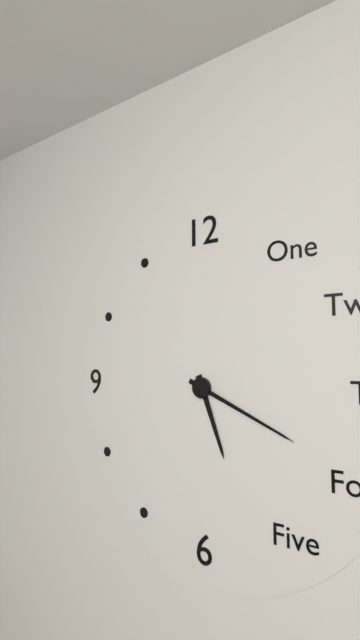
5:19
